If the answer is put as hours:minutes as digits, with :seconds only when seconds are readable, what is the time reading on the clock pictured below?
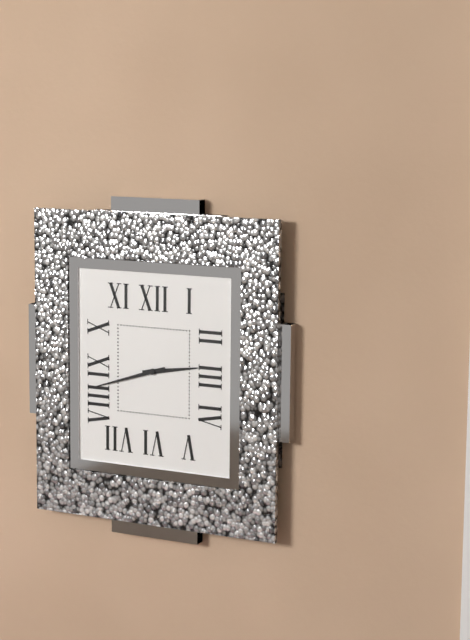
2:42
